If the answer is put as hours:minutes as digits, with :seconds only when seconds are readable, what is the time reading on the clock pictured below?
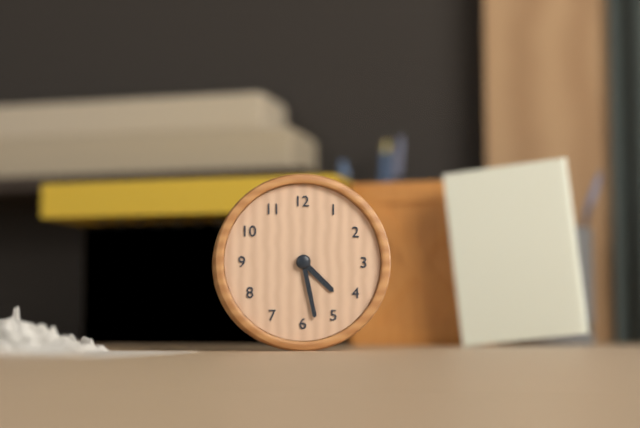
4:28
